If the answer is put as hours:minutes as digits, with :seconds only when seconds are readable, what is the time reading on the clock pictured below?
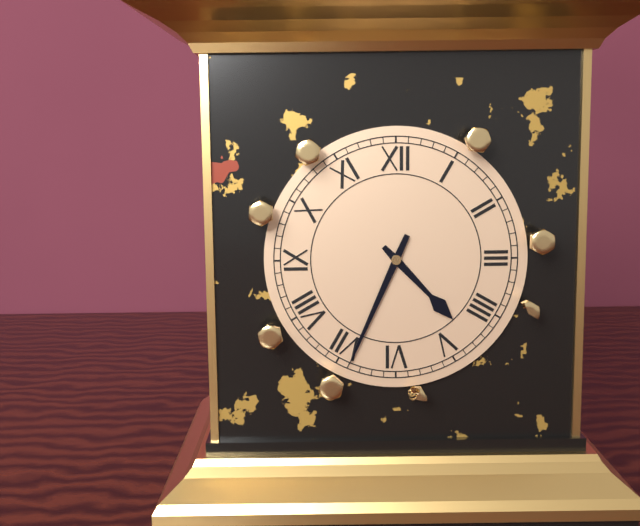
4:34
